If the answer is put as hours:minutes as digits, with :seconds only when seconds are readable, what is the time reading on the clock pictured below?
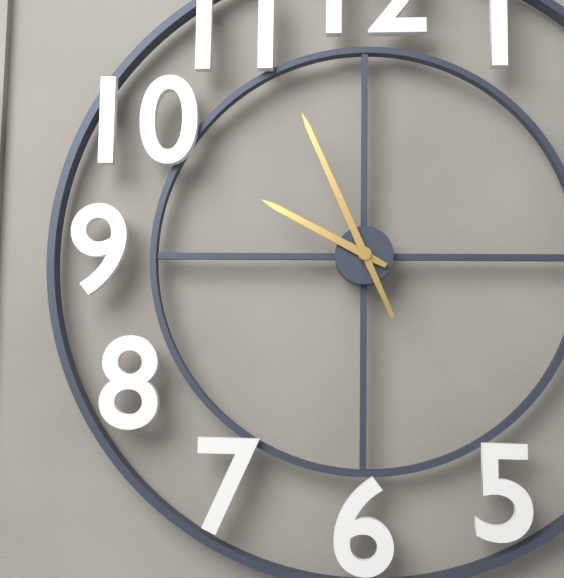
9:56
